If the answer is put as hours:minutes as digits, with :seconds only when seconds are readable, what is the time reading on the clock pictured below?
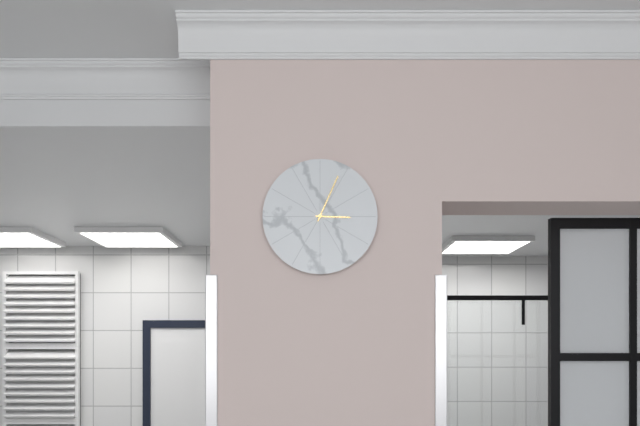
3:04
